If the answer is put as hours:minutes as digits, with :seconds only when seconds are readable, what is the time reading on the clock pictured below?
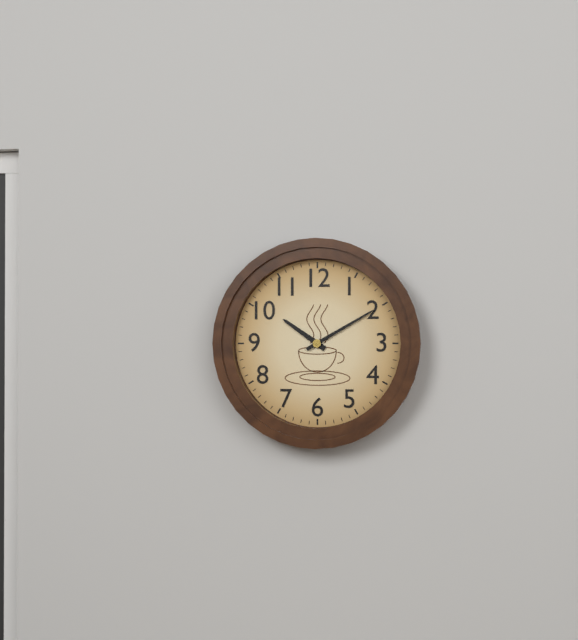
10:10
